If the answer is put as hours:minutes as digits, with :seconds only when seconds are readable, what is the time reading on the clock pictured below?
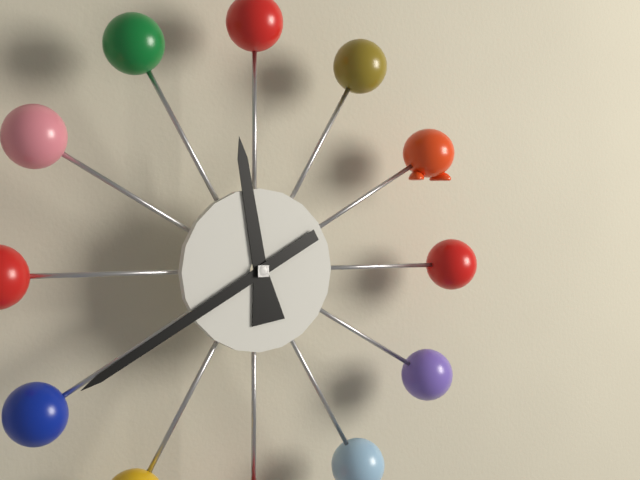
11:40
